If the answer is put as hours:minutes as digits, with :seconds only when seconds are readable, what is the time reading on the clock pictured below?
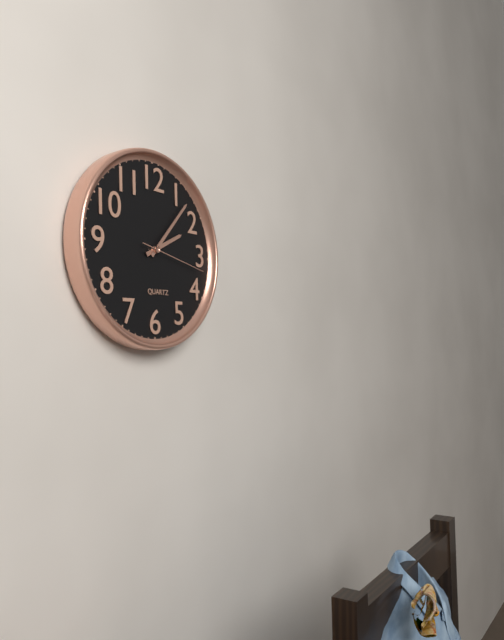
2:07:17
